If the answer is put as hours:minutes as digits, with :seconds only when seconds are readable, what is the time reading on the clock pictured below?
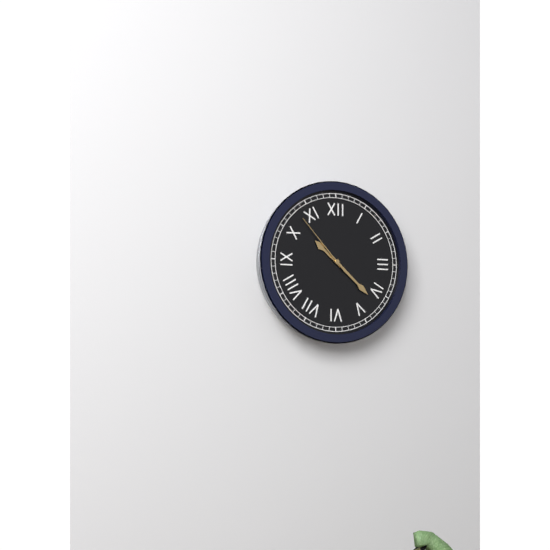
10:22:53
